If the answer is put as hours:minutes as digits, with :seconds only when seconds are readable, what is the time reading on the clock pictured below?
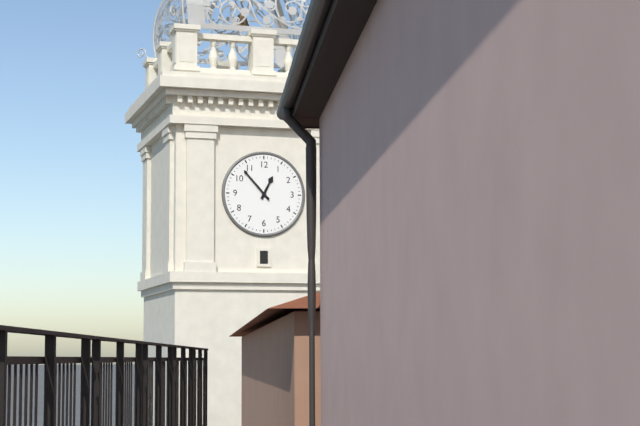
12:53
